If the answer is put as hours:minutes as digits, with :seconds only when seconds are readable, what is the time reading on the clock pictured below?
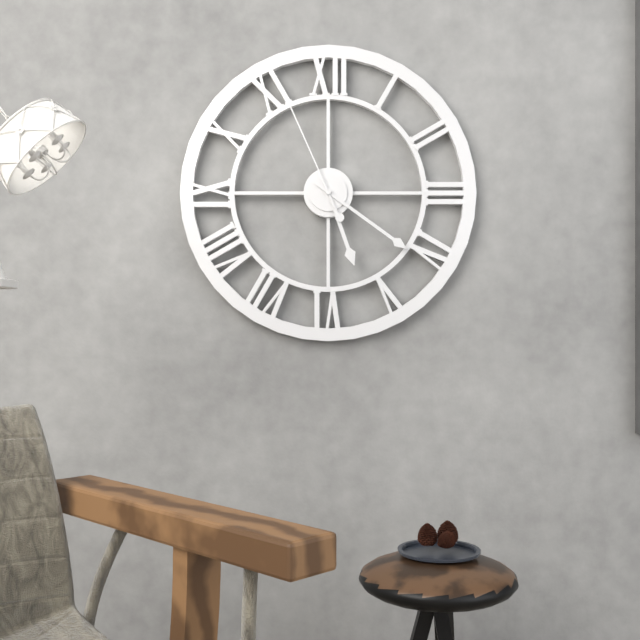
5:21:56
